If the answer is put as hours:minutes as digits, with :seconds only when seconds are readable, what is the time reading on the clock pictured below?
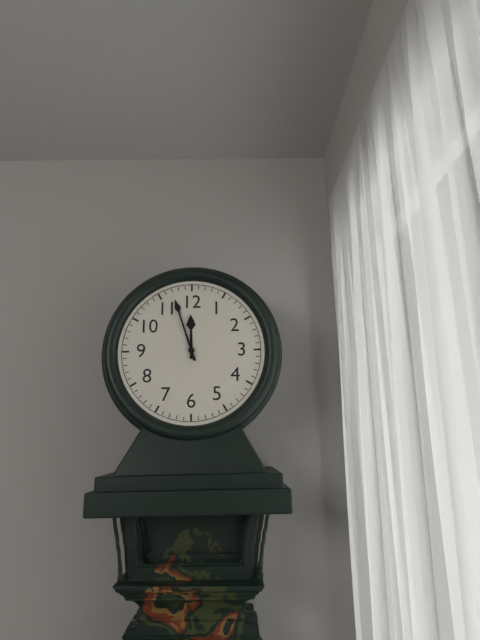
11:57
